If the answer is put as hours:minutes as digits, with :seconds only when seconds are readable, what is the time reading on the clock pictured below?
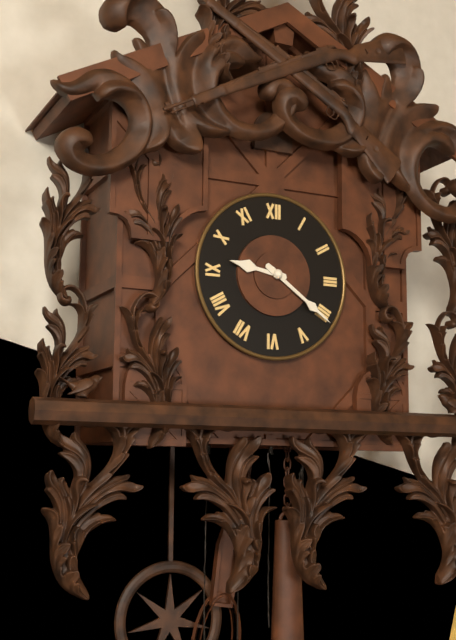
9:21
